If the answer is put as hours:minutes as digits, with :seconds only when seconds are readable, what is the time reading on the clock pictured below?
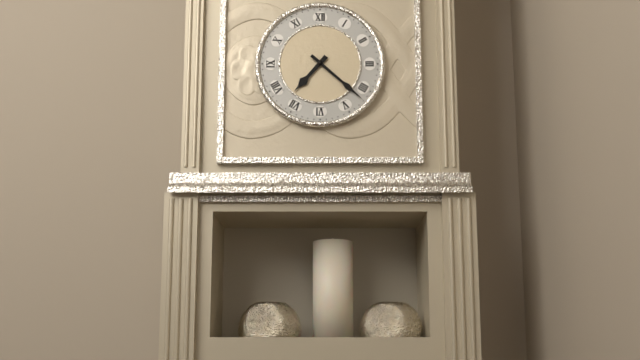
7:22
